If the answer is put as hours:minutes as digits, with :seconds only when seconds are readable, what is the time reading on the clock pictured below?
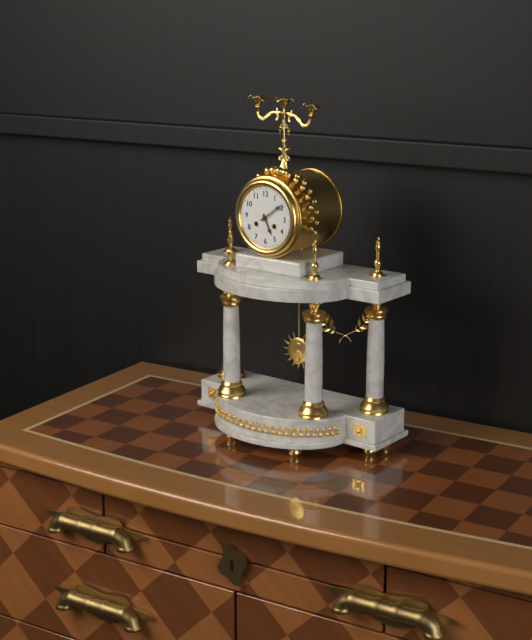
5:09
